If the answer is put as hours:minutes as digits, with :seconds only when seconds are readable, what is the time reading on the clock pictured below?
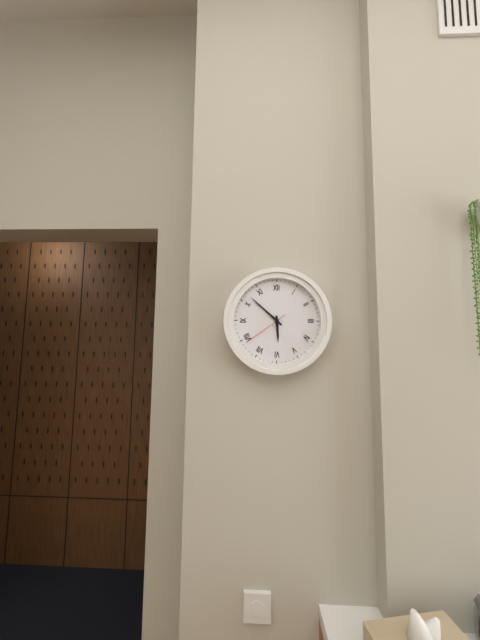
5:52
